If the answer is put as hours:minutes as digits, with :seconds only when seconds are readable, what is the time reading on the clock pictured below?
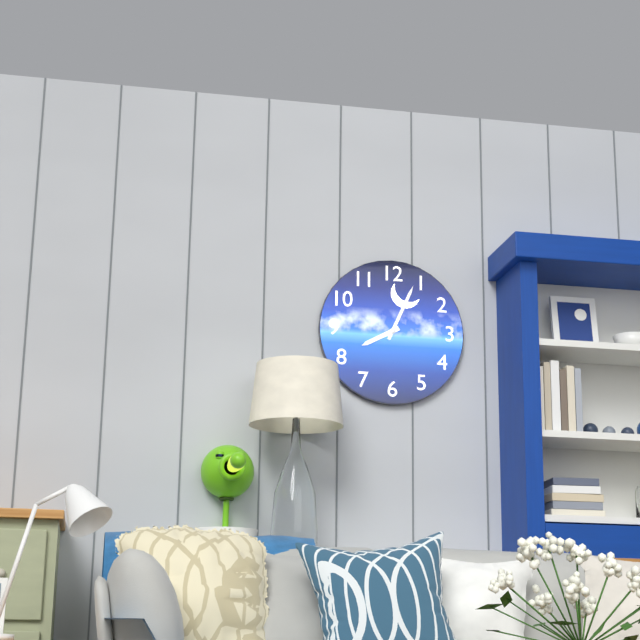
8:04
